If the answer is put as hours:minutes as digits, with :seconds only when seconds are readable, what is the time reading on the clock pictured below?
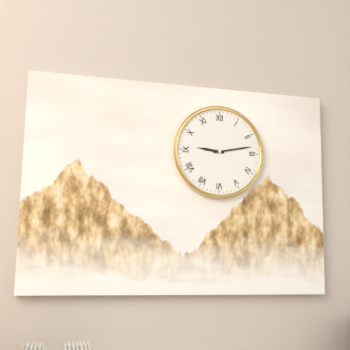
9:13
